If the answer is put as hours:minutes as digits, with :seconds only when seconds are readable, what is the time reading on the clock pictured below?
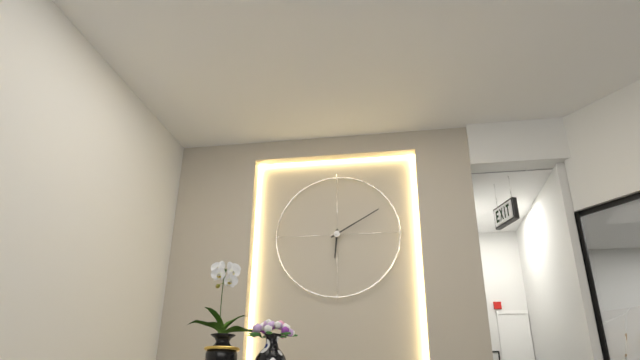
6:10
